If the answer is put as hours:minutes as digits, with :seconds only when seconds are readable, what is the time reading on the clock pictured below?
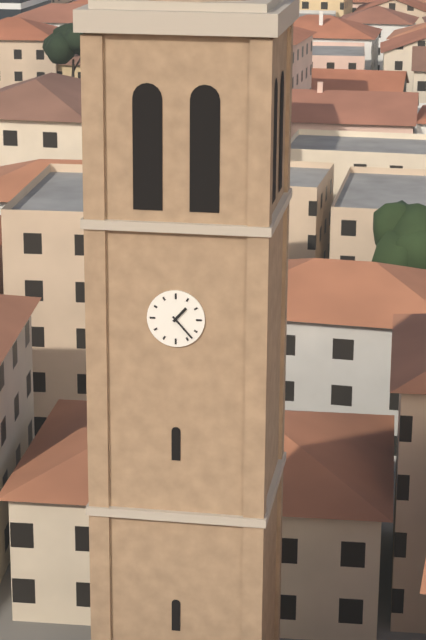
1:23
